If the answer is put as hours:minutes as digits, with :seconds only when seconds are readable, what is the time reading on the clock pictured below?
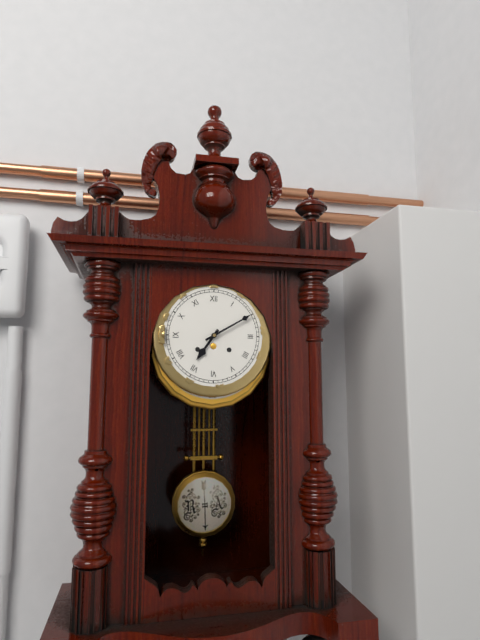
7:10
